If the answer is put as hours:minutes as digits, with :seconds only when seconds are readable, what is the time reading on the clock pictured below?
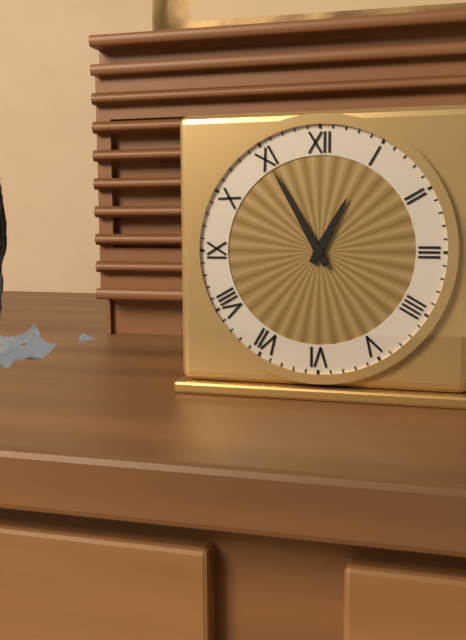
12:55
